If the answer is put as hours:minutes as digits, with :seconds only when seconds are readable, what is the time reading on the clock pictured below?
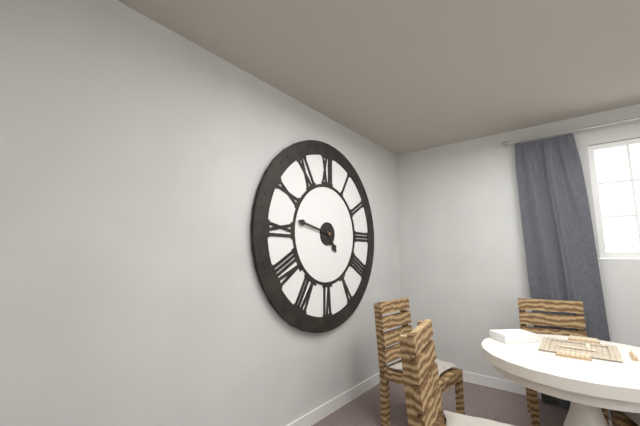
4:47
